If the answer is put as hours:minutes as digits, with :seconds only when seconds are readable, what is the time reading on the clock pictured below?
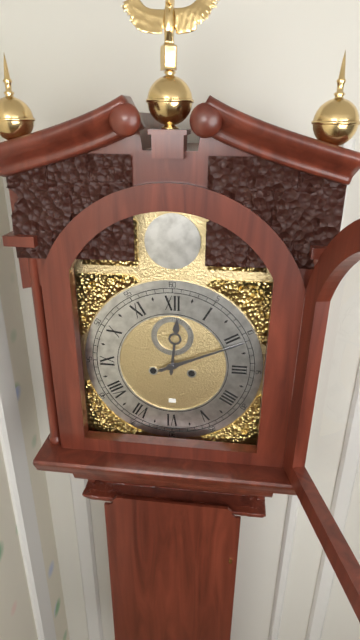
12:11
